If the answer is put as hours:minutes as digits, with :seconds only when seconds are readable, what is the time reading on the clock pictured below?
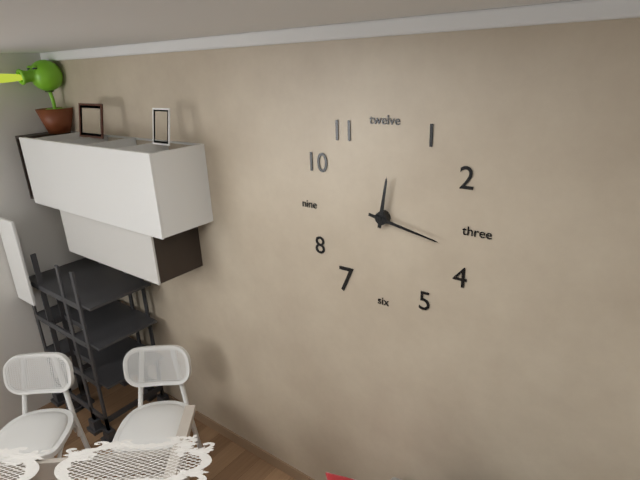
12:17
